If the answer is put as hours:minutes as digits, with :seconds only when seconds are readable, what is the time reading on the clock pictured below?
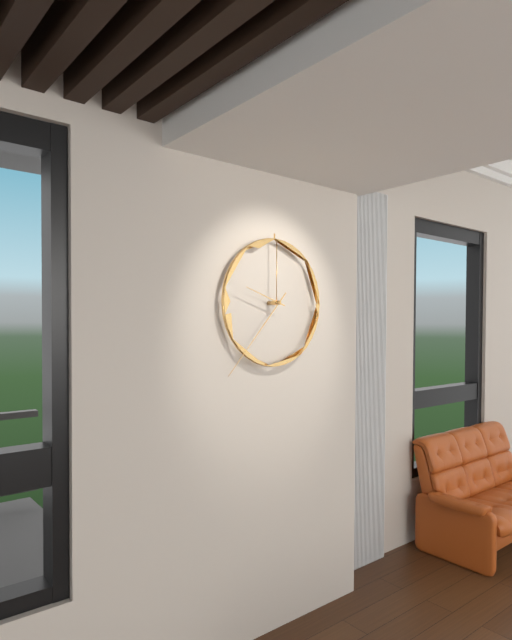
9:37
